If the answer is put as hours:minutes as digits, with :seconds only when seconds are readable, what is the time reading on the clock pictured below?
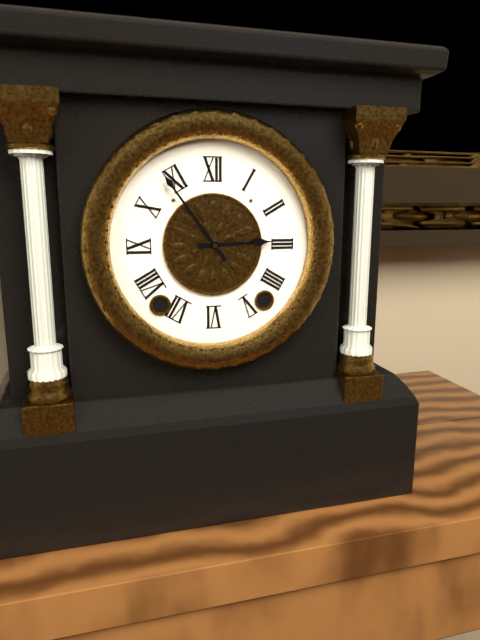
2:54
